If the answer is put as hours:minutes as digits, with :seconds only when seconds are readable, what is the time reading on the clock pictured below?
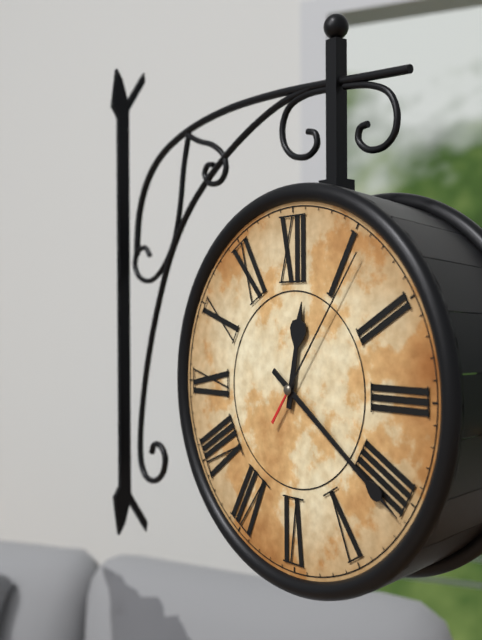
12:21:06
